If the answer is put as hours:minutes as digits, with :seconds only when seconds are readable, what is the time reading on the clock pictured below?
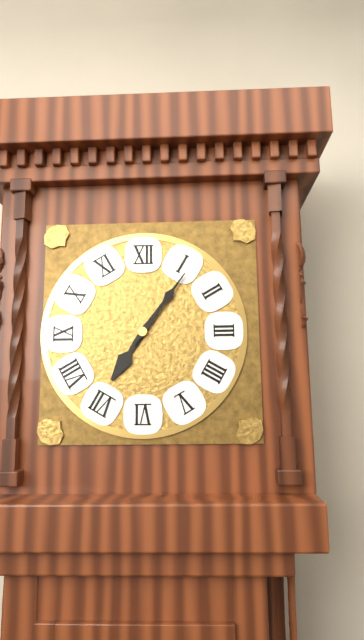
7:06
